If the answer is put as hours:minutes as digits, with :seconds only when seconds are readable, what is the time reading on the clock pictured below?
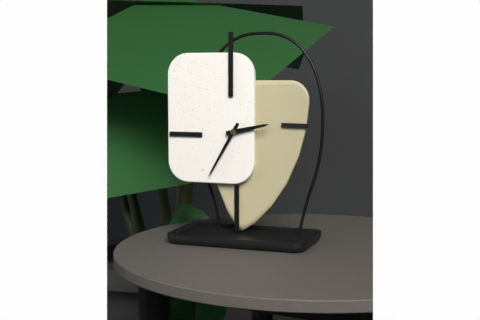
2:35
